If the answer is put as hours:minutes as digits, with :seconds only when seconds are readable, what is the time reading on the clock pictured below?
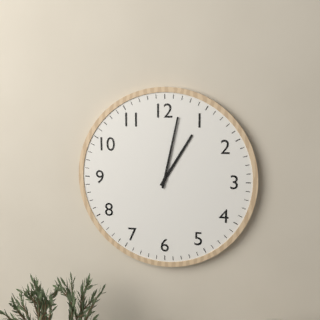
1:02
